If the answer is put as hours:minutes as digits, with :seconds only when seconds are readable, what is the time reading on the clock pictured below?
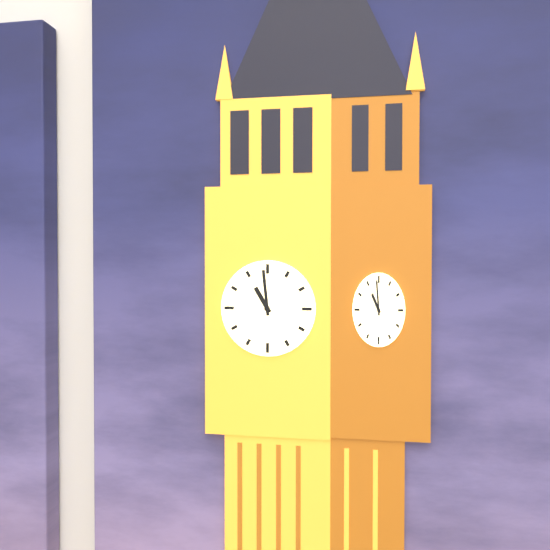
10:59
